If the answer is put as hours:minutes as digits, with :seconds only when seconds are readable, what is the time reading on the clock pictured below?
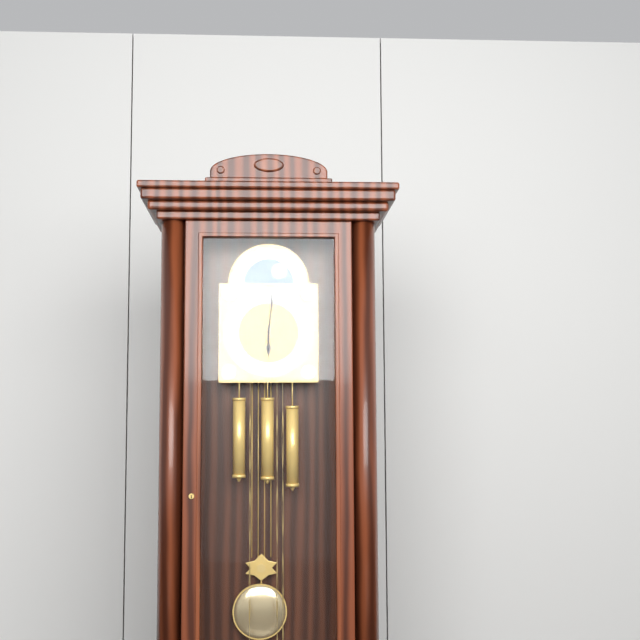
6:01
